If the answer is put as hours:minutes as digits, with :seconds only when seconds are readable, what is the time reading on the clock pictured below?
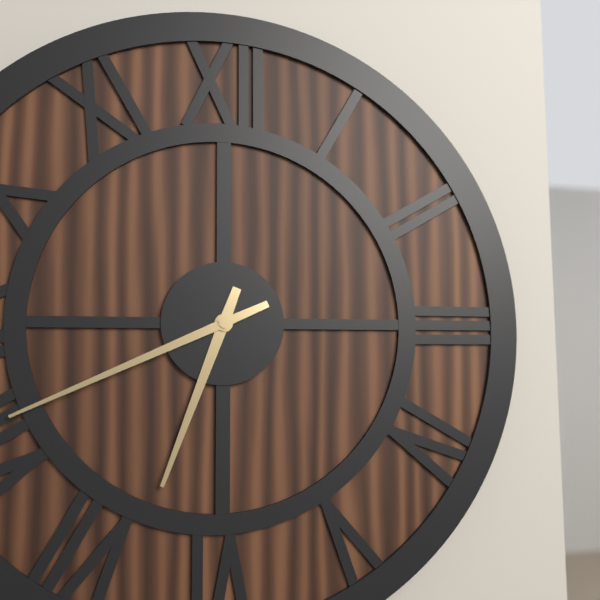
6:41
